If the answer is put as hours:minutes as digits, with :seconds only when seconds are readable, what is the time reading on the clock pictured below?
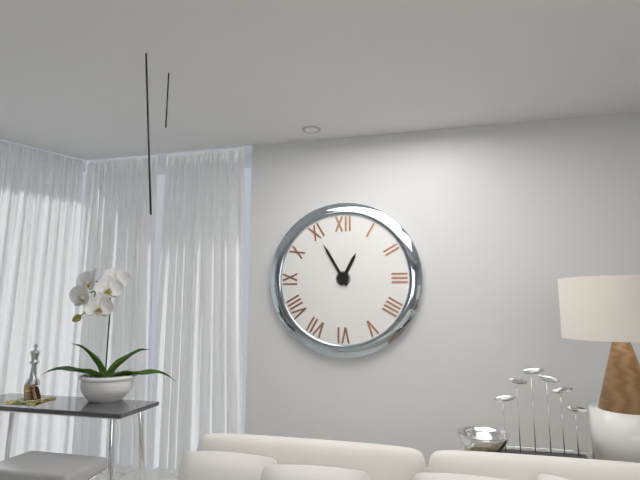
12:55
